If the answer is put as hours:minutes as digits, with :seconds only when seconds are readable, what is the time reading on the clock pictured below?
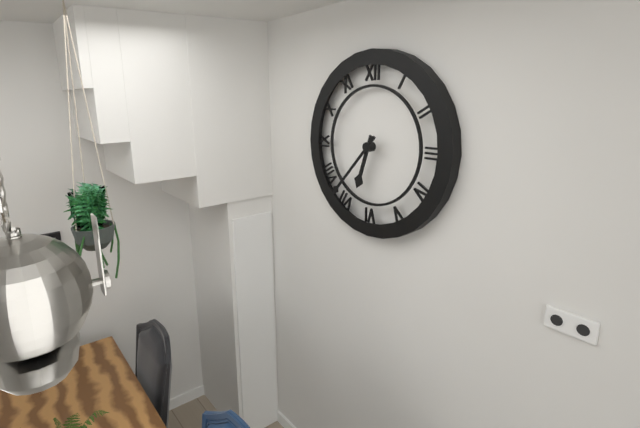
6:37
